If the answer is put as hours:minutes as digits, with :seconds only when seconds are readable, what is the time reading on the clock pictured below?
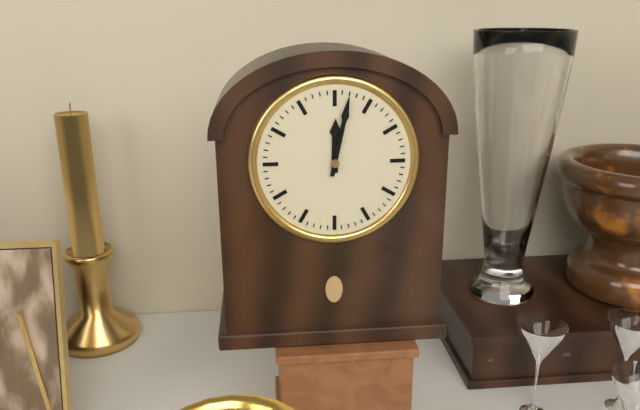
12:02
